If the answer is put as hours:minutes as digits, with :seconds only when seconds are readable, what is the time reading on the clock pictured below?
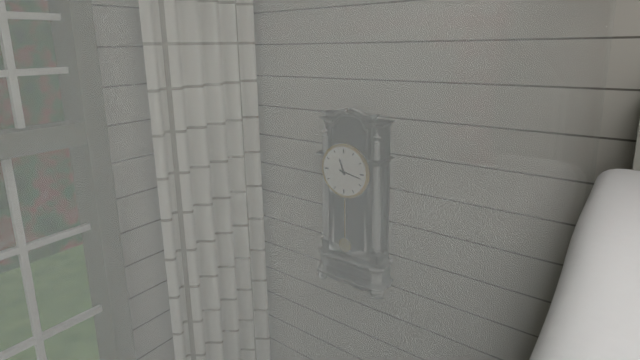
11:17
